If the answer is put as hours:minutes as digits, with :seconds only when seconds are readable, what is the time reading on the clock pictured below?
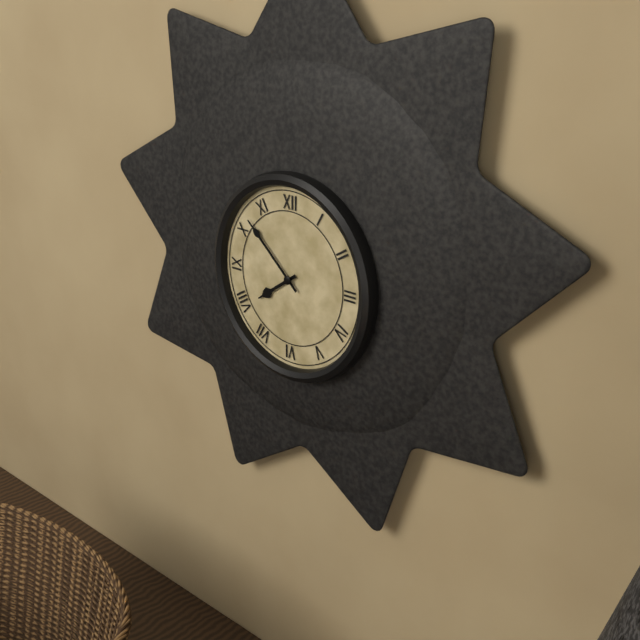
7:52
